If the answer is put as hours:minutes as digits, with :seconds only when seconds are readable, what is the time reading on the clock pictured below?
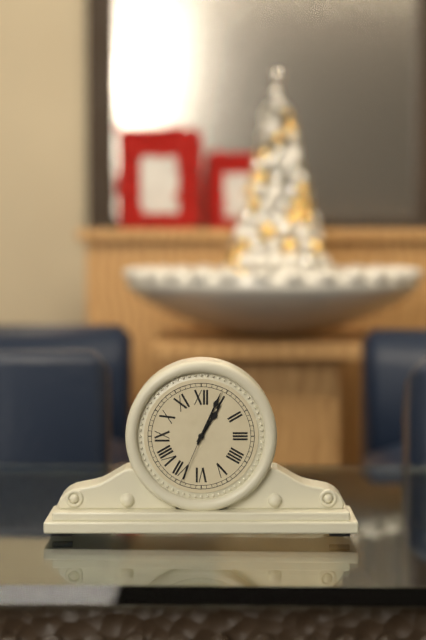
1:04:34
